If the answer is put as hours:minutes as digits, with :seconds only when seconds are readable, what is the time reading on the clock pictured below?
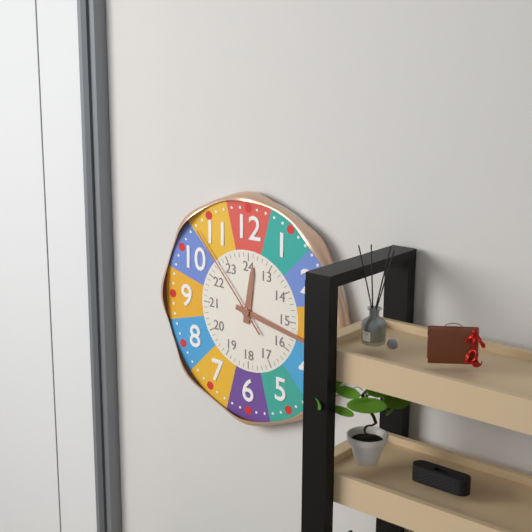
12:17:53
